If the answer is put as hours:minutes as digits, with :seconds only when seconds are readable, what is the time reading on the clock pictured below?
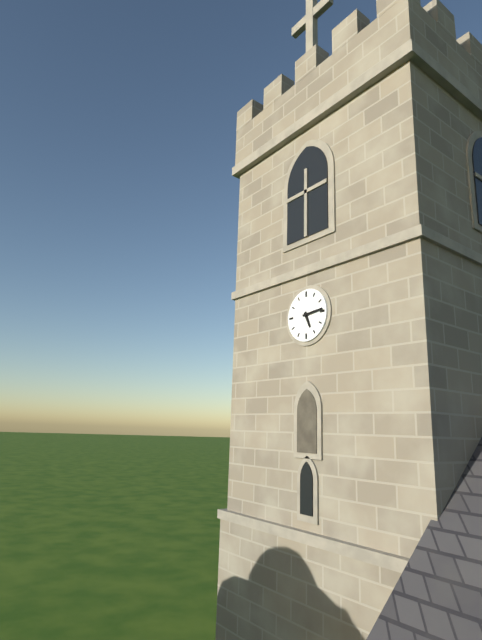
5:14
